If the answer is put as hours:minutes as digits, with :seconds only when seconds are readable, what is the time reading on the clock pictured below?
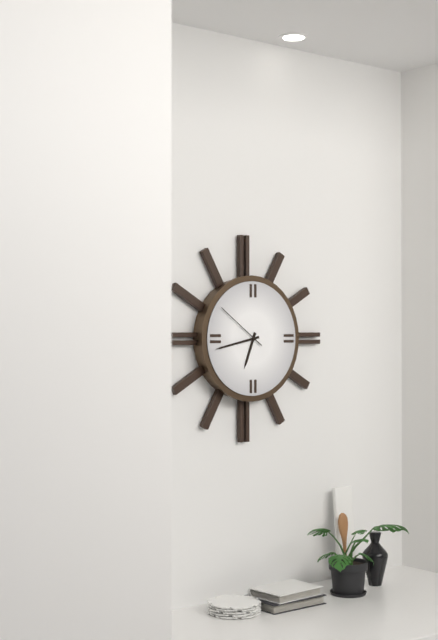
6:43:51
